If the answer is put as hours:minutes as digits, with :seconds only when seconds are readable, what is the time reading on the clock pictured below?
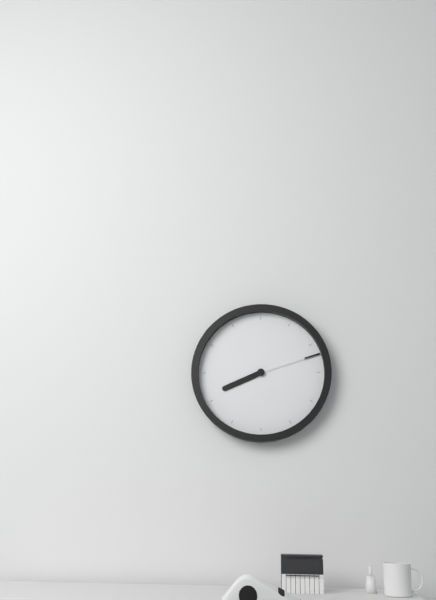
8:12
